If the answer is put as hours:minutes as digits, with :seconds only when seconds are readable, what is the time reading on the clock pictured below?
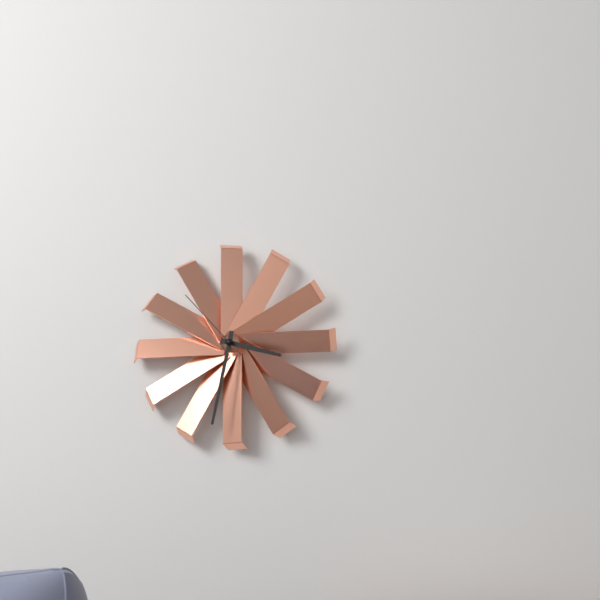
3:32:53
